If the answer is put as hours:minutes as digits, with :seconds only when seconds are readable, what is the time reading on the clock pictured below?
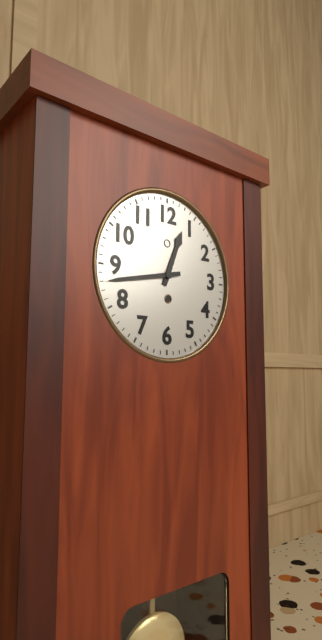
12:43
